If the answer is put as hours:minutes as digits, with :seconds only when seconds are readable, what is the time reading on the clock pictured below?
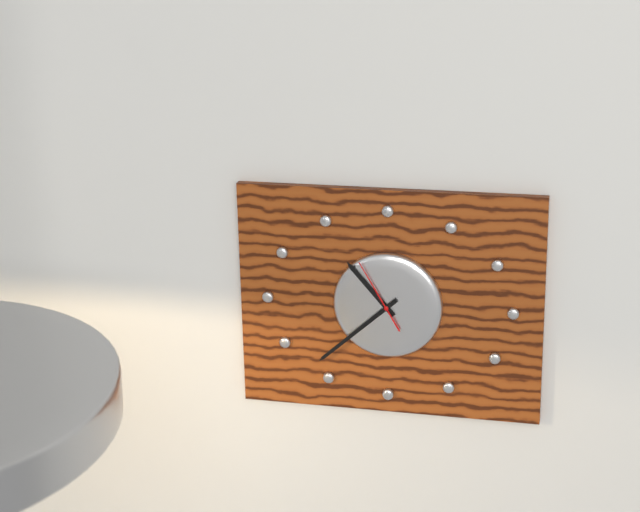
10:38:55
